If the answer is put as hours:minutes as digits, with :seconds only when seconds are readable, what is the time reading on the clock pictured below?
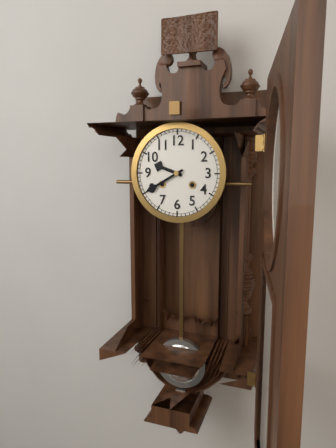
9:40
